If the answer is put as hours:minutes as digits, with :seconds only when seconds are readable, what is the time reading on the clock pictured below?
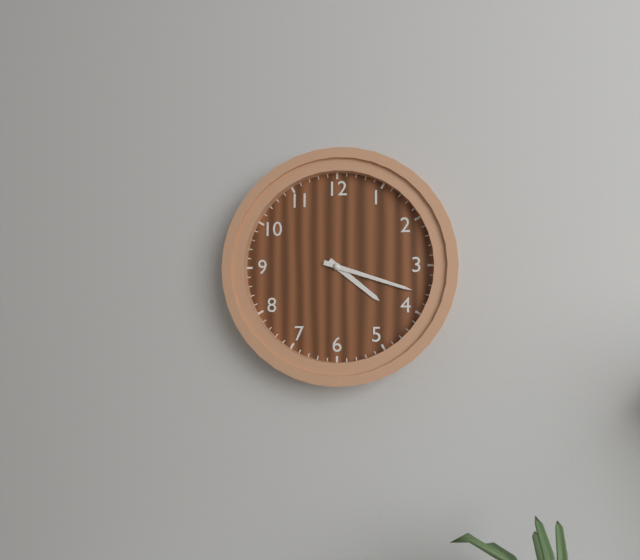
4:18
